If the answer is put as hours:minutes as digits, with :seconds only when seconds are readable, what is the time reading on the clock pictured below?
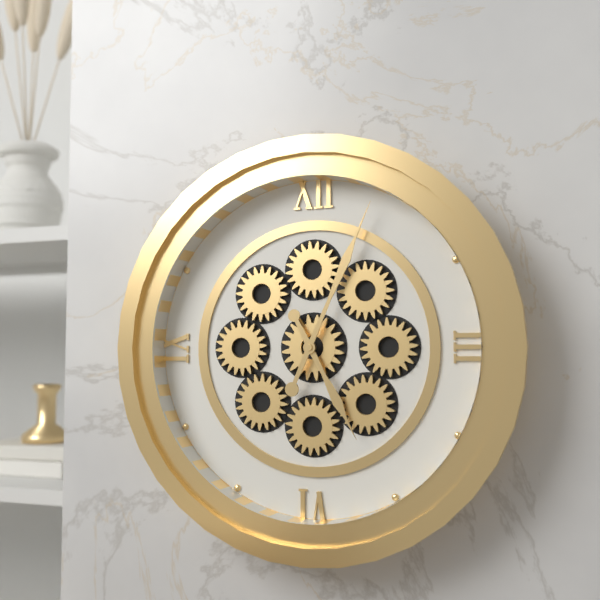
5:04
